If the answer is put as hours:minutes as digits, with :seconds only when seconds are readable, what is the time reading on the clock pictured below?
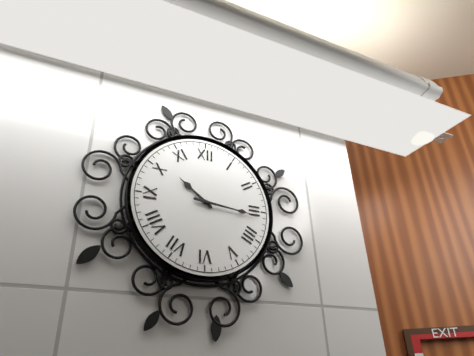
10:16
